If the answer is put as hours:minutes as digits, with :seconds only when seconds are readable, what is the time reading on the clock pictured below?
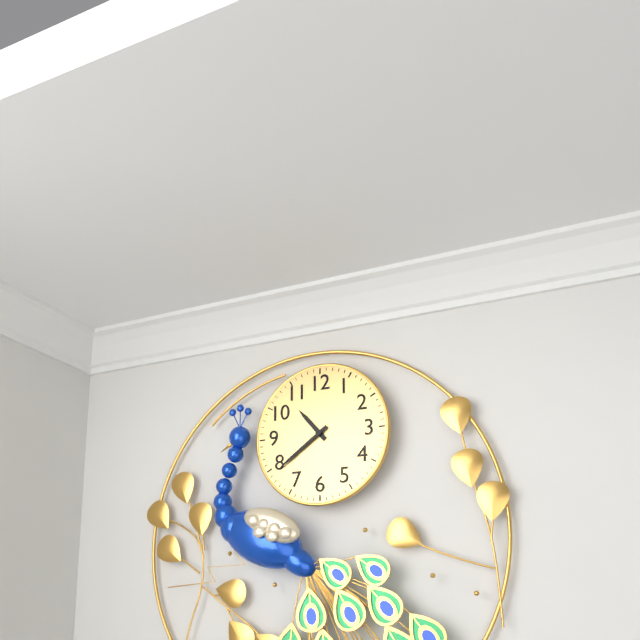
10:39
